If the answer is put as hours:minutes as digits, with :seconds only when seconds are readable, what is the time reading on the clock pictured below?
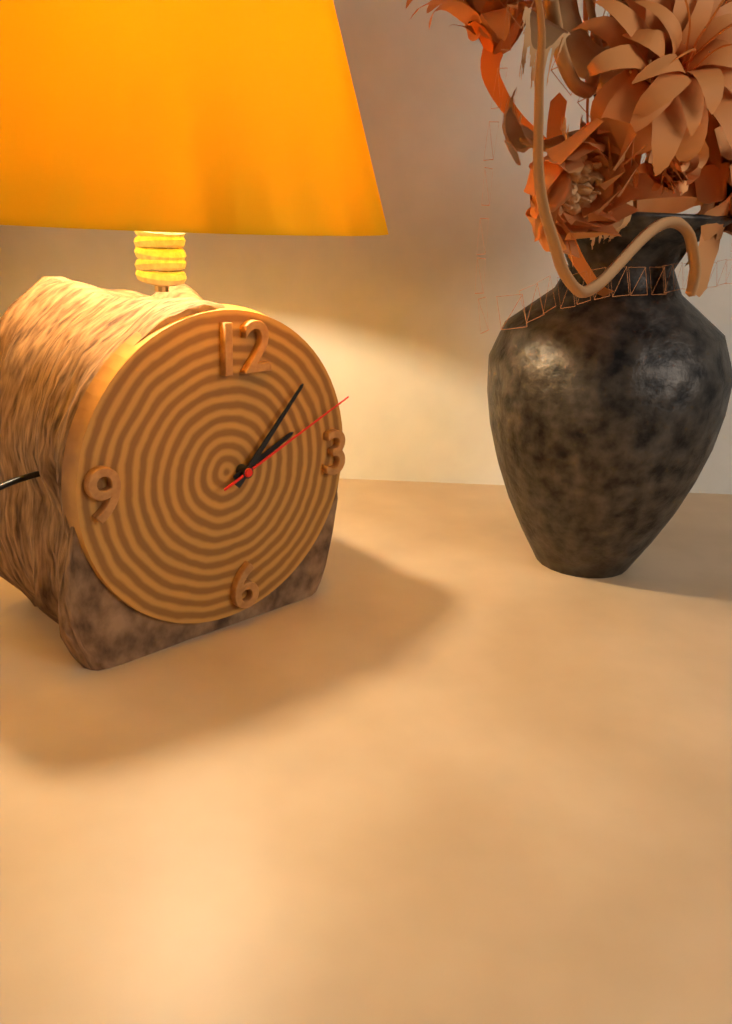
2:07:11
